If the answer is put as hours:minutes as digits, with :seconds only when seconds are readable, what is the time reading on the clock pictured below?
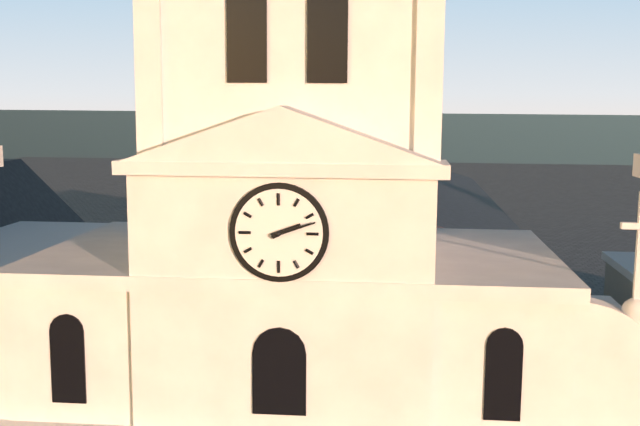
2:12
